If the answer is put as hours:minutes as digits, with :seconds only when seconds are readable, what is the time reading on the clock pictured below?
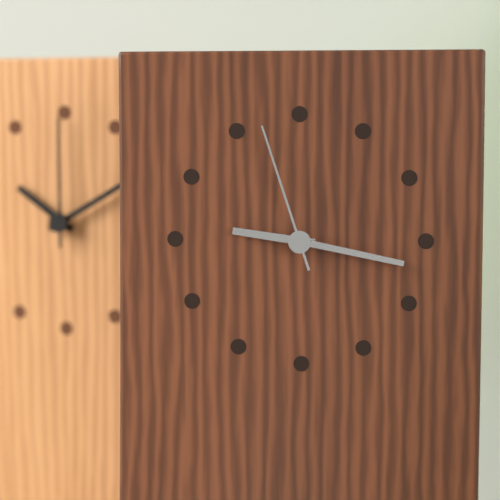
9:17:57
